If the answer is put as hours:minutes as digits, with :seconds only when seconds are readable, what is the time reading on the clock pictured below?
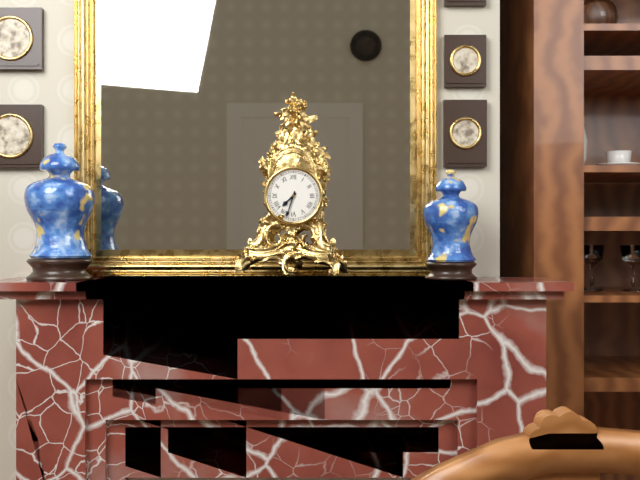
7:33
